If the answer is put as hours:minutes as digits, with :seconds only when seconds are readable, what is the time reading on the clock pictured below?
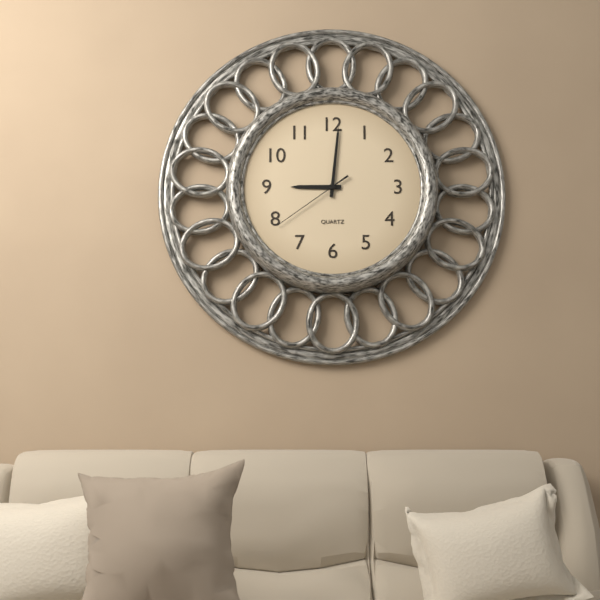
9:01:39
